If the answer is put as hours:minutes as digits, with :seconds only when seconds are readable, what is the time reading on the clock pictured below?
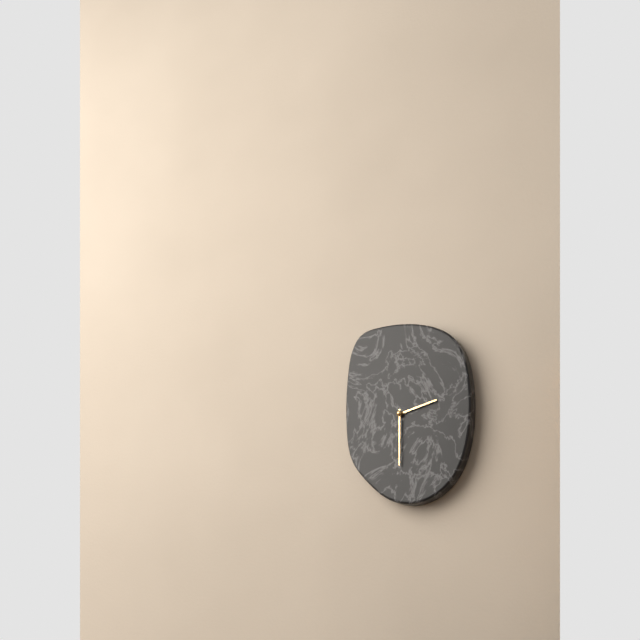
2:30
